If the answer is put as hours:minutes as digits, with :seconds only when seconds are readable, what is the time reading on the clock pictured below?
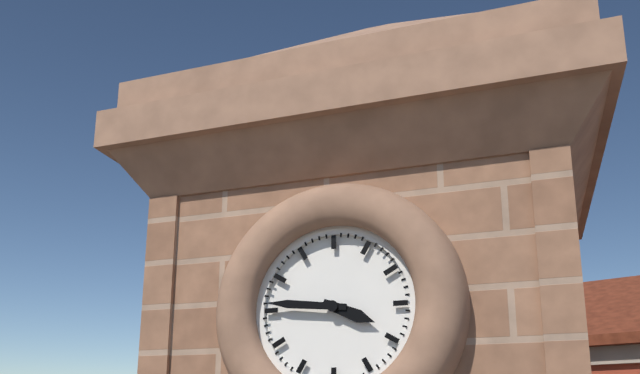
3:46
